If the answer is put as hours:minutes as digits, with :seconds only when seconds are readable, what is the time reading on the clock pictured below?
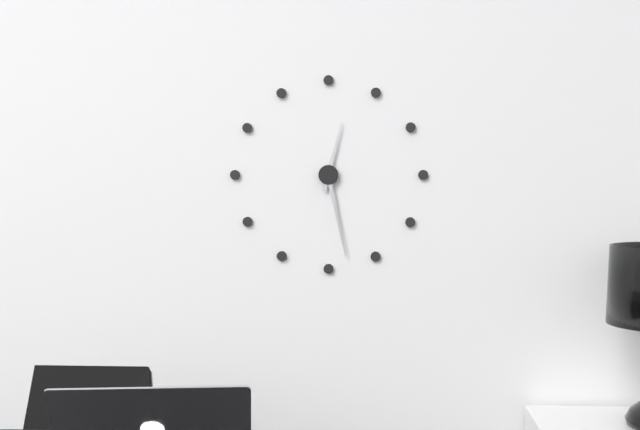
12:28
